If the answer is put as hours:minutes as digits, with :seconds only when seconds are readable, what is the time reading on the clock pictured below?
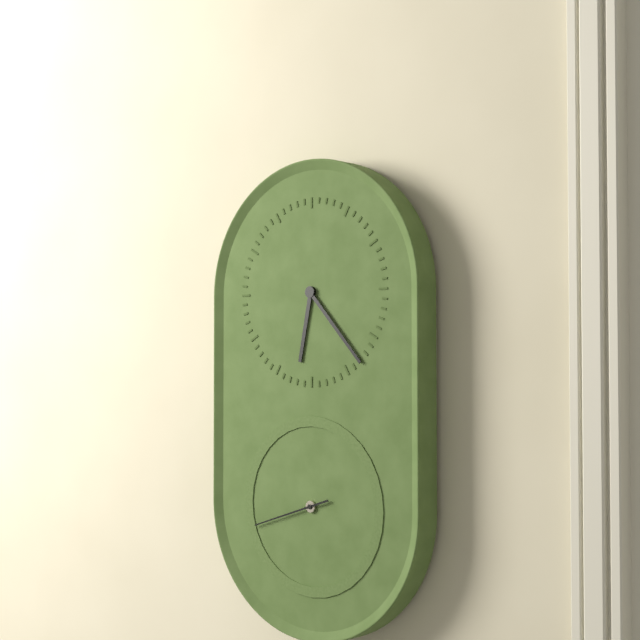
6:23:42
